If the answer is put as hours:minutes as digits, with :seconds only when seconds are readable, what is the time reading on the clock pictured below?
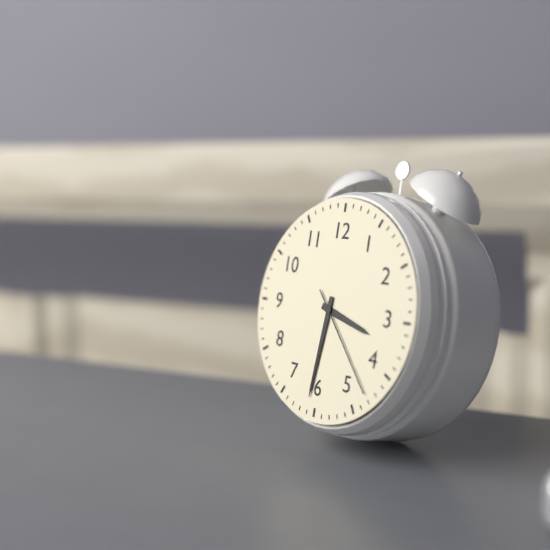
3:31:23
